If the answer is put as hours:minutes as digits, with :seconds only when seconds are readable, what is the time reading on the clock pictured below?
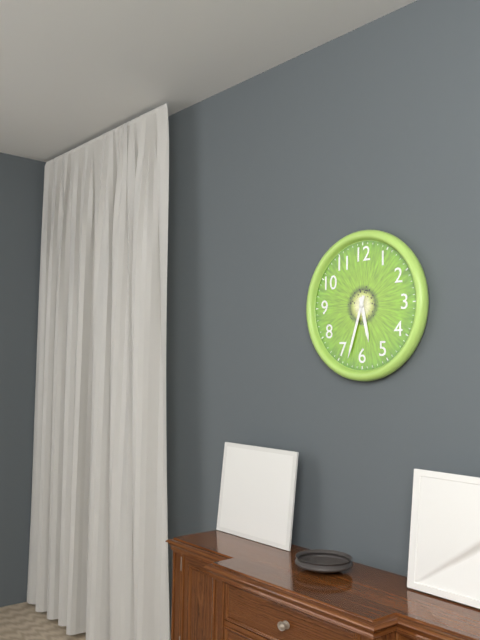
5:33
